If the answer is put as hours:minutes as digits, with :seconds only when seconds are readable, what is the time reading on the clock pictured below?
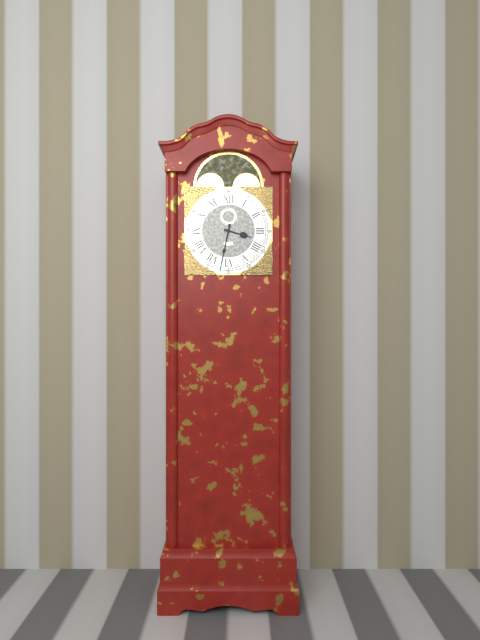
3:32
